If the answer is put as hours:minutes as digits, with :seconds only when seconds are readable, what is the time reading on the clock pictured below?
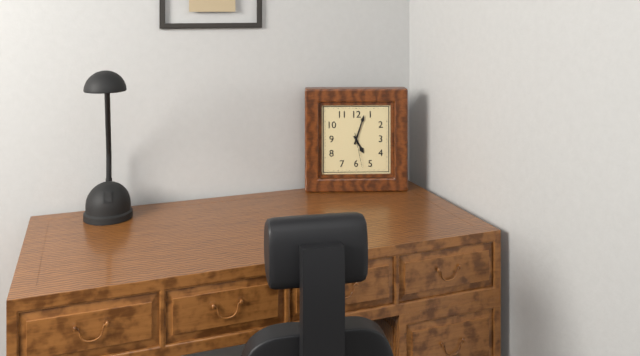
5:03
